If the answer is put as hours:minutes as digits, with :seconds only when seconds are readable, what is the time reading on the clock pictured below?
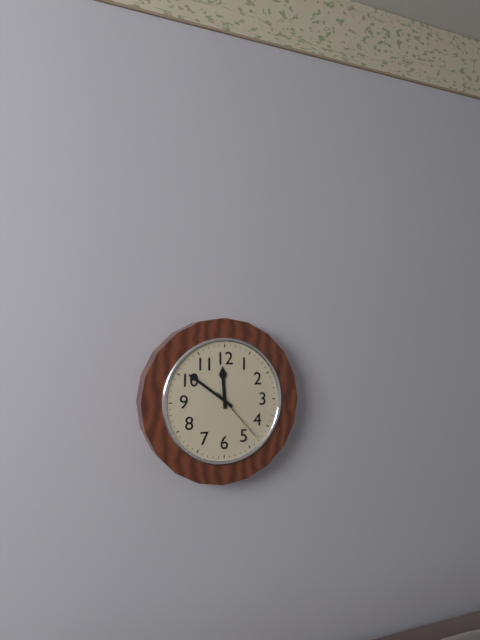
11:51:23
